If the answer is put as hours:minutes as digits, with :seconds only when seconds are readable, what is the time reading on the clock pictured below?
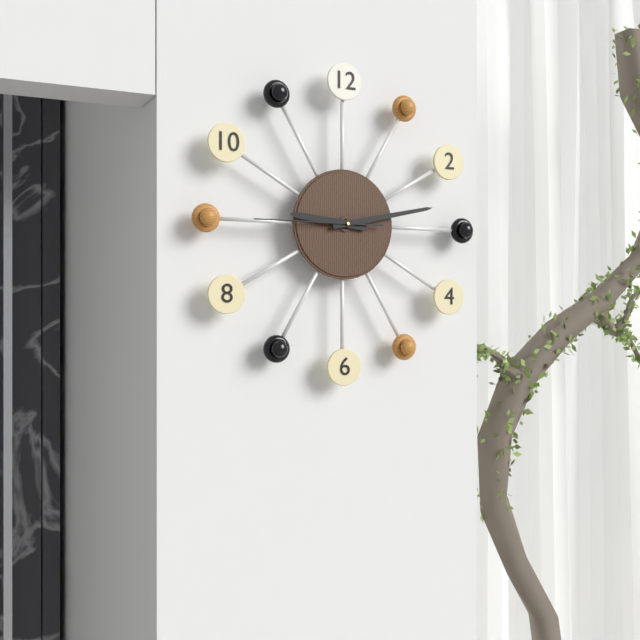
9:13:45
